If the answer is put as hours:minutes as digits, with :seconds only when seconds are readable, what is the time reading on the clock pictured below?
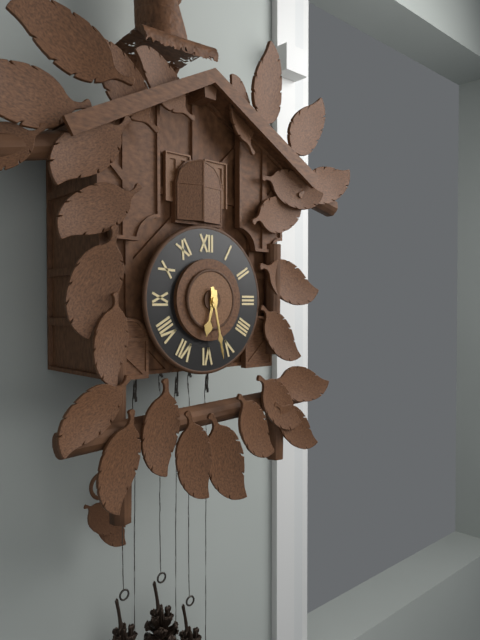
6:28
